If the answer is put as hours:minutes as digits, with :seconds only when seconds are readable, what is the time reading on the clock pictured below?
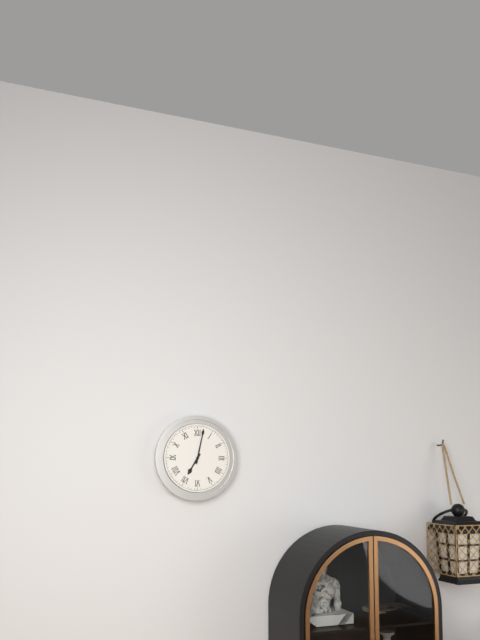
7:02
